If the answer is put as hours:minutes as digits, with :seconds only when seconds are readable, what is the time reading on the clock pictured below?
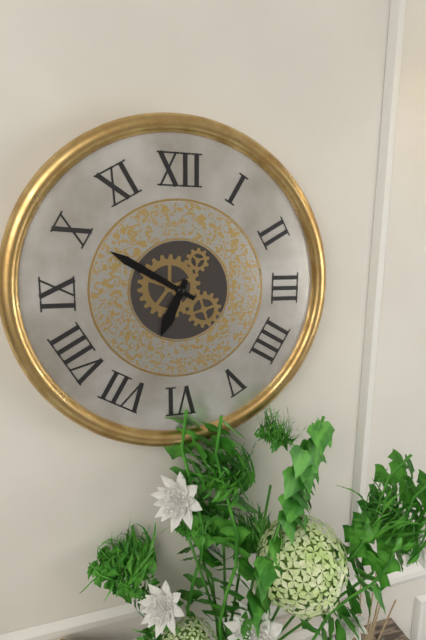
6:50
